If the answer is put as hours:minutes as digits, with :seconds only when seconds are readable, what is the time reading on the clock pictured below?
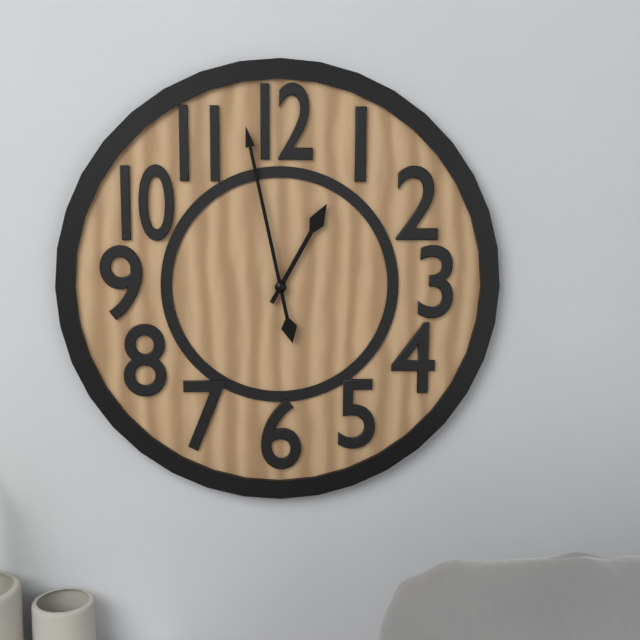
12:58
